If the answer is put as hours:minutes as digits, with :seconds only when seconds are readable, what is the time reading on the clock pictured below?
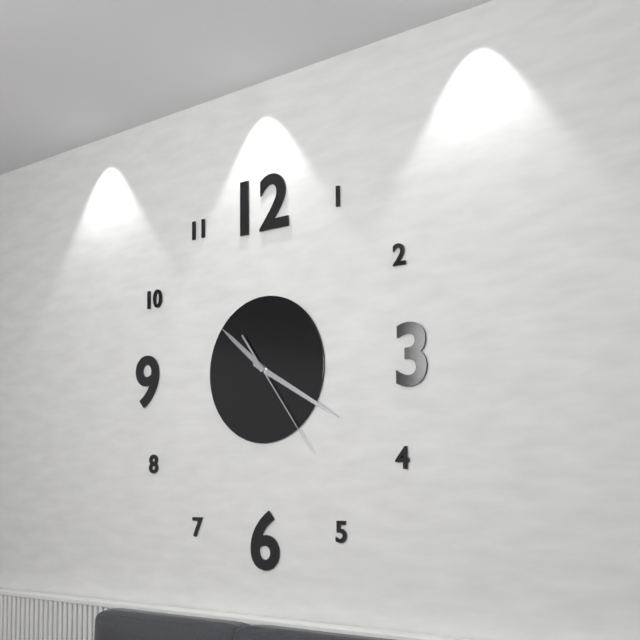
10:20:24
